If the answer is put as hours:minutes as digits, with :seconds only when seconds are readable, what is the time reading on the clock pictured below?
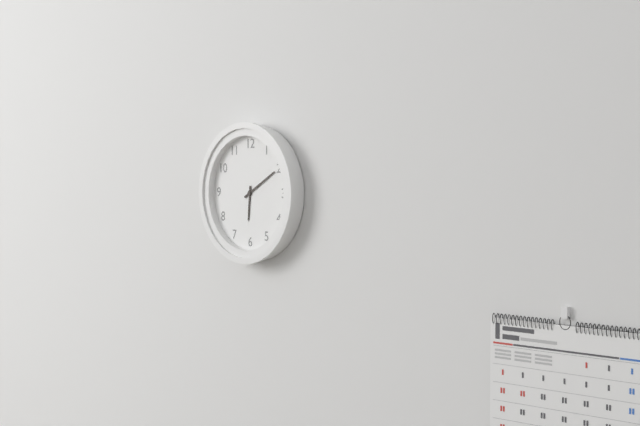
6:10
